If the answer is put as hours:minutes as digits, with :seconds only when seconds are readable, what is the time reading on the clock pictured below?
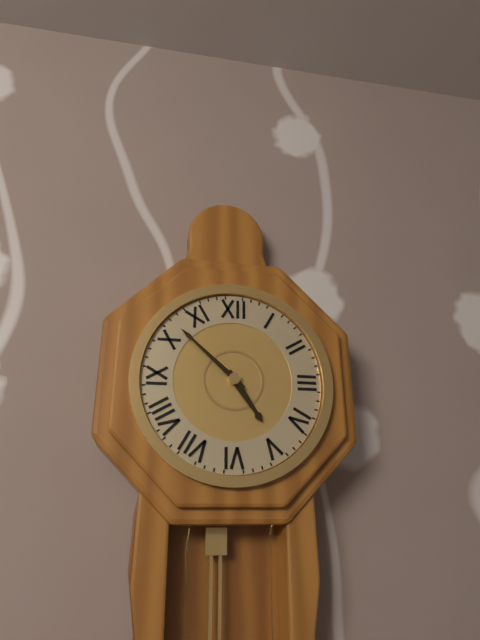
4:52
